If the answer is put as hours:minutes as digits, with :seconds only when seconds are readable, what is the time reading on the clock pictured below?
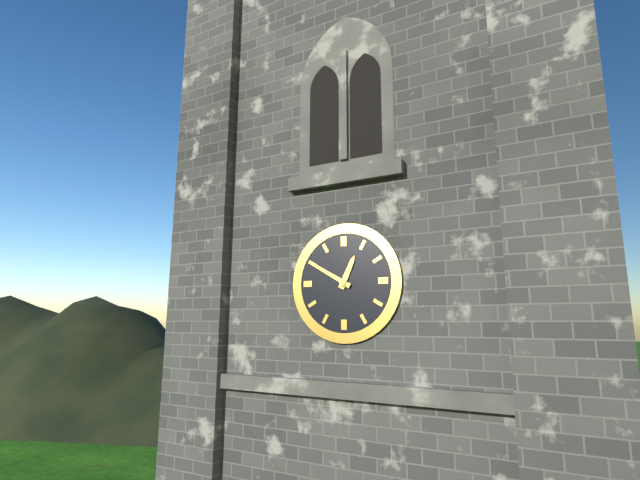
12:50
